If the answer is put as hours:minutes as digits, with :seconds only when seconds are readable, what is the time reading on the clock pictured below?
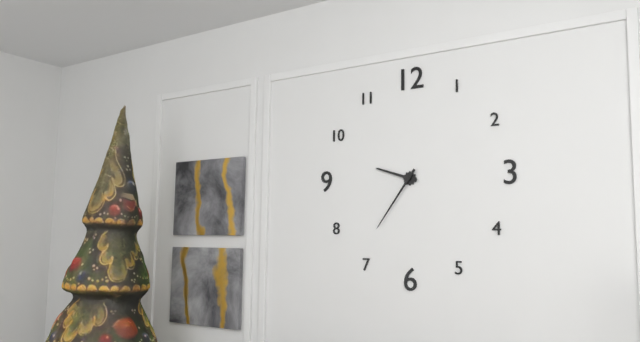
9:36
